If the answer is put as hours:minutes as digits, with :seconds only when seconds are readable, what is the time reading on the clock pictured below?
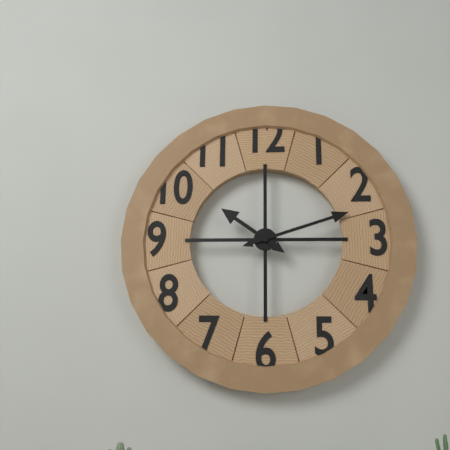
10:12
